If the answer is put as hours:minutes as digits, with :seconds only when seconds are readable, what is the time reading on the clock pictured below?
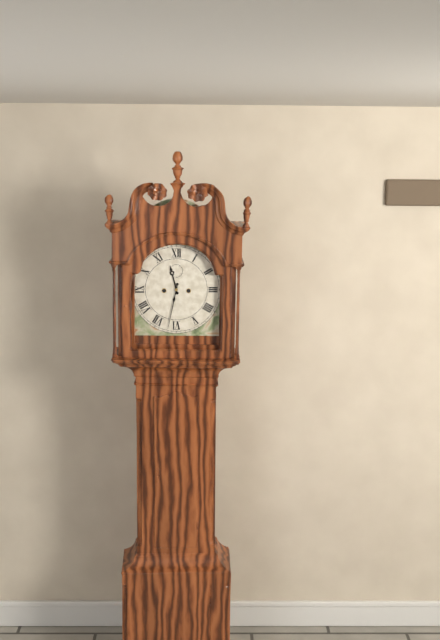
11:32
